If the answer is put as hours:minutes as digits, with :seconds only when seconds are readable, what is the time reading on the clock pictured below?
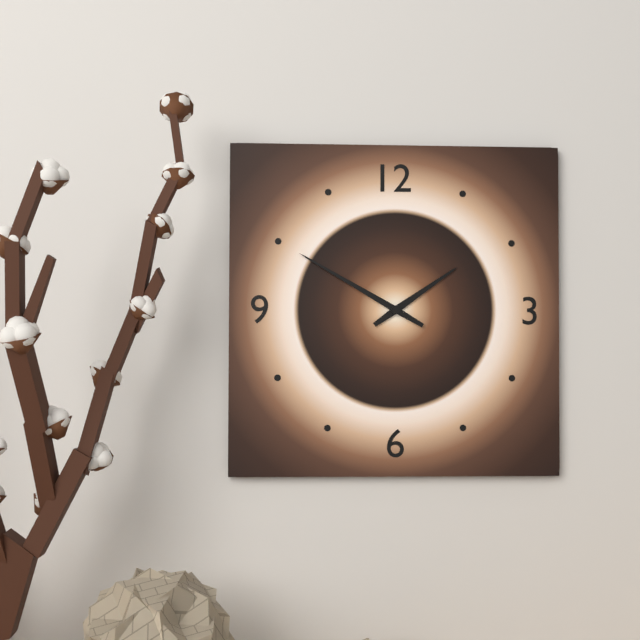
1:50
